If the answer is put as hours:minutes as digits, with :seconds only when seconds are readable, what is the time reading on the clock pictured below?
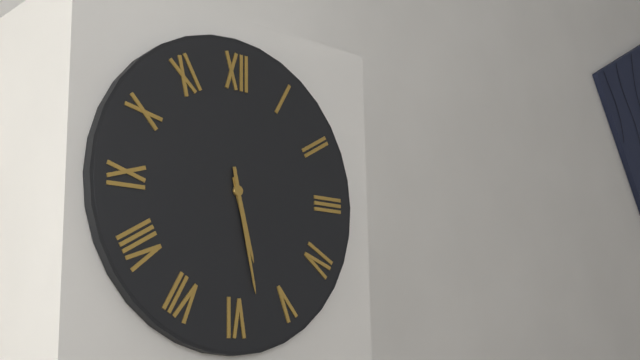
5:28
